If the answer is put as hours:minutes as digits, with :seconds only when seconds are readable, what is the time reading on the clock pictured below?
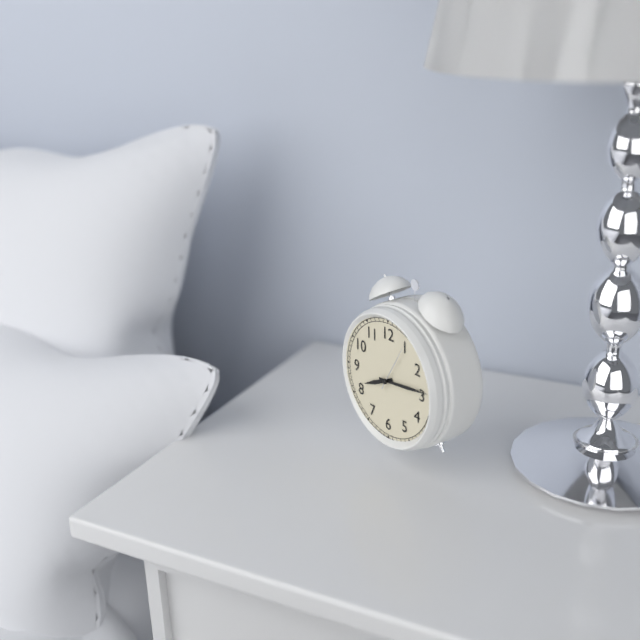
8:14
